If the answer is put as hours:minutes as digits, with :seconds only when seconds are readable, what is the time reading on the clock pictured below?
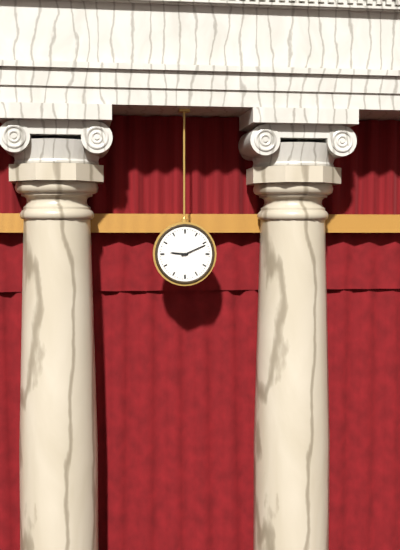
9:11
